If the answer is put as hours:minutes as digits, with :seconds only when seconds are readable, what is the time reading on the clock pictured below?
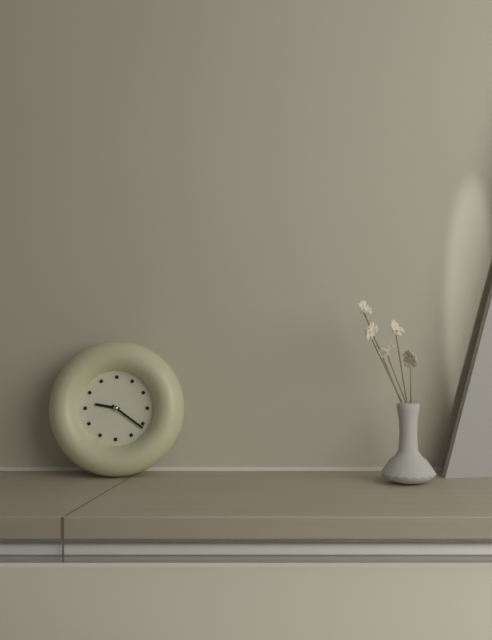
9:21
